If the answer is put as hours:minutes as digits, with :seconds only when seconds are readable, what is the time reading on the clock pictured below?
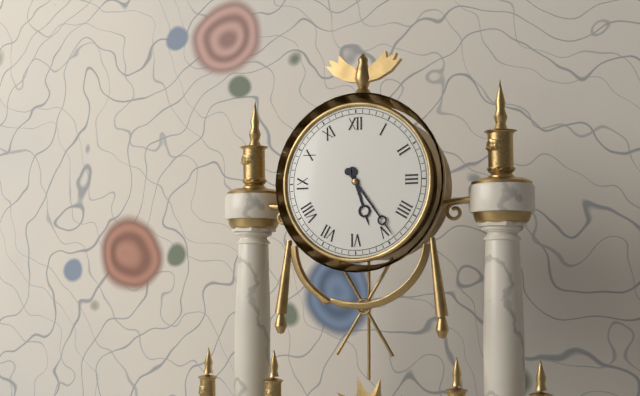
5:24
